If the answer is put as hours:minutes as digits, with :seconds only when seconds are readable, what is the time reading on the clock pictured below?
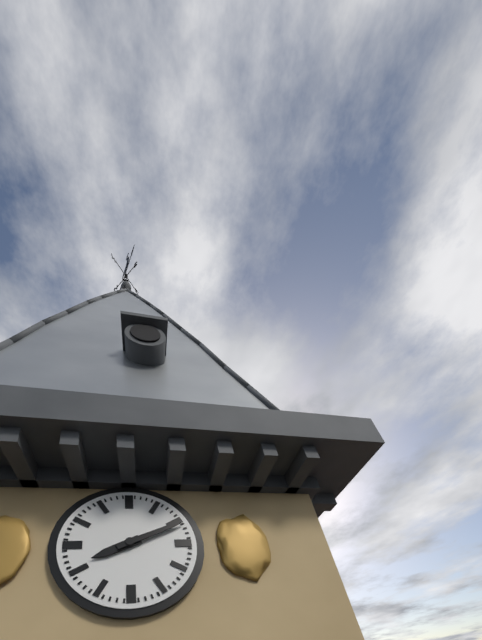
8:11
